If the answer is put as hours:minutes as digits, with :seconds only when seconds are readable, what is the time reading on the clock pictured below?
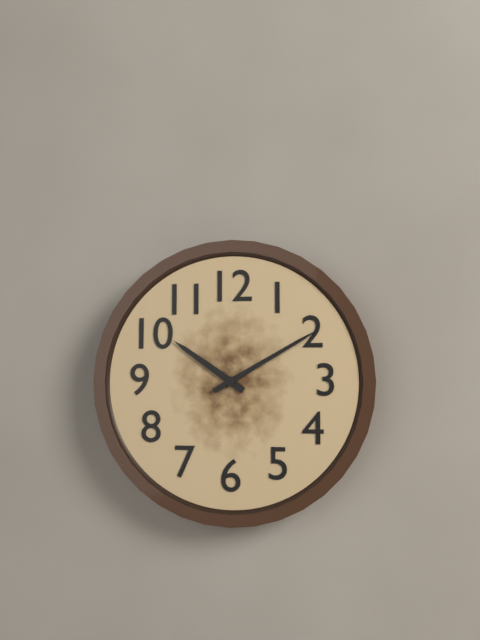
10:10
